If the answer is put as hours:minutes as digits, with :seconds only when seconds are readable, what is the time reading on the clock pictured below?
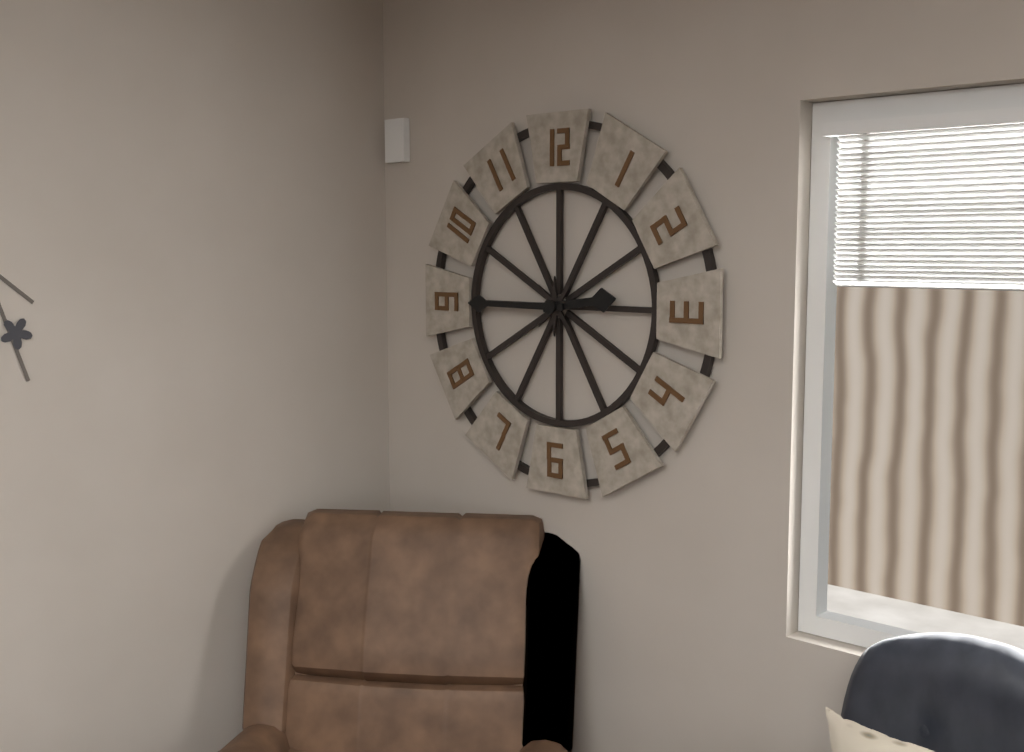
2:45
